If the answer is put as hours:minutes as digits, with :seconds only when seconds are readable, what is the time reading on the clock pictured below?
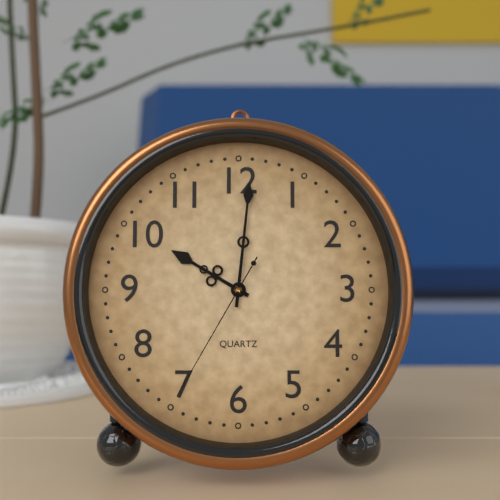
10:01:35
